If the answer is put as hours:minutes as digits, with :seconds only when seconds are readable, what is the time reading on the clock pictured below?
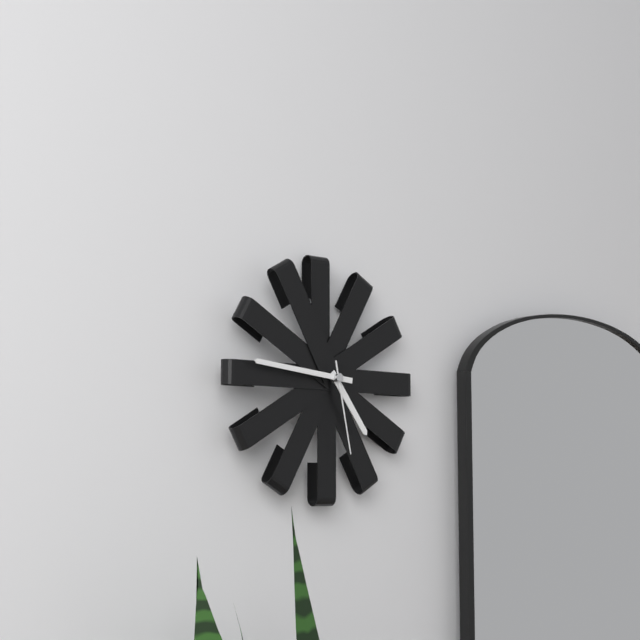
4:46:28
